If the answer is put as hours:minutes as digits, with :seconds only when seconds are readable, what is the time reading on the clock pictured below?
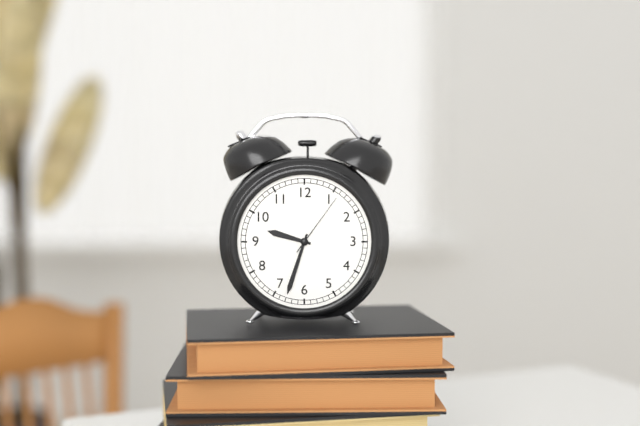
9:33:06
